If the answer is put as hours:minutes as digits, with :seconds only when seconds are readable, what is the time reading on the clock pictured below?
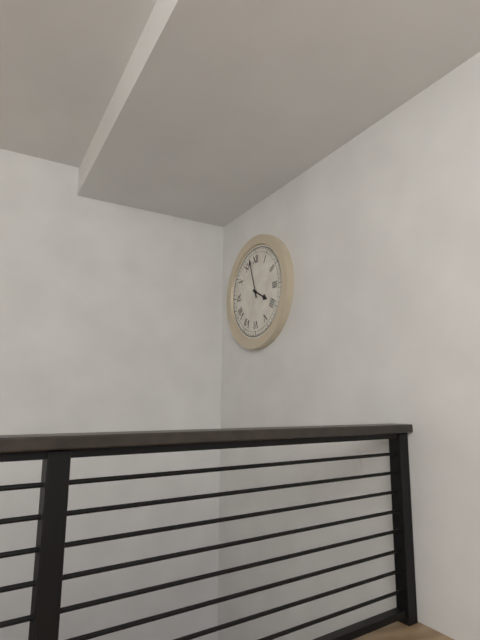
3:57
